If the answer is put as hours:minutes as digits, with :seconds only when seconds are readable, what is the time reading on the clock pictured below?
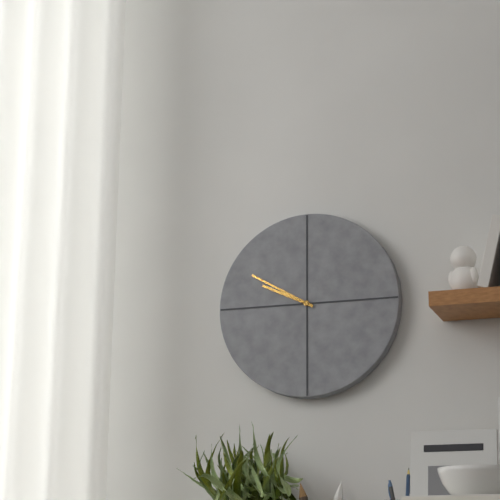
9:50
